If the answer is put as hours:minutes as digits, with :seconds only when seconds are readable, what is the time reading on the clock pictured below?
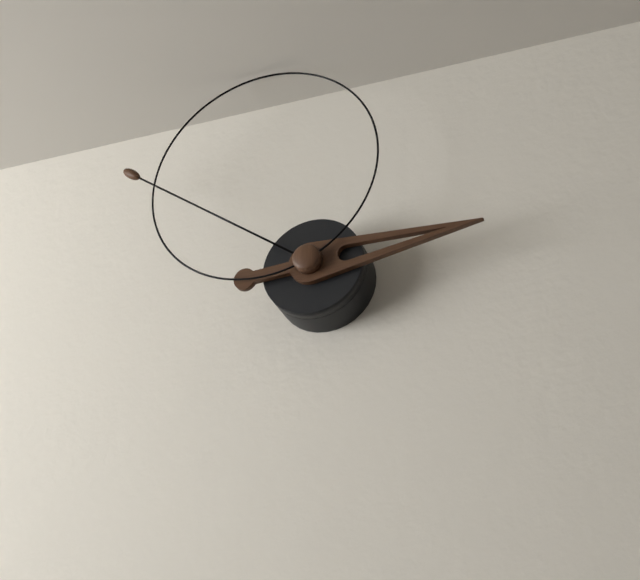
2:51:56
